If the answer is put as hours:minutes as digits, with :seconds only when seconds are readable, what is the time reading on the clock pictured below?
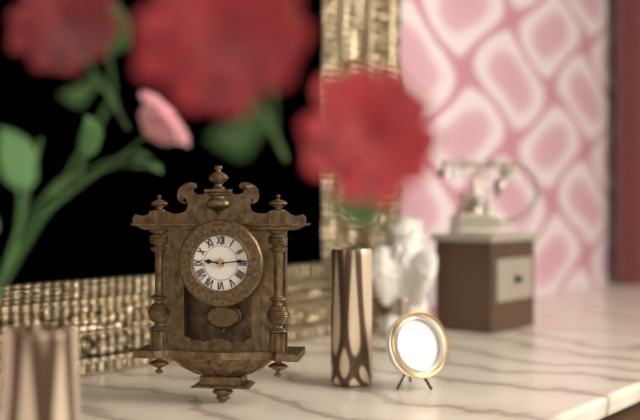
9:14
